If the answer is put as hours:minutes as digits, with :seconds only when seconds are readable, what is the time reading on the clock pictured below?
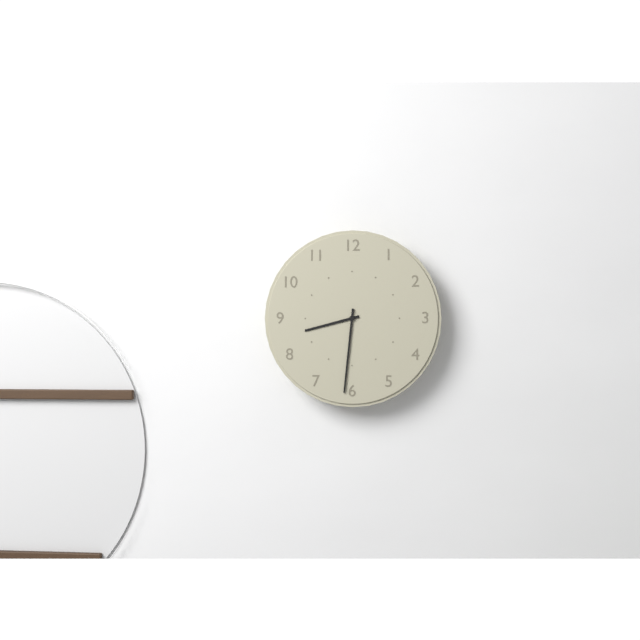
8:31
